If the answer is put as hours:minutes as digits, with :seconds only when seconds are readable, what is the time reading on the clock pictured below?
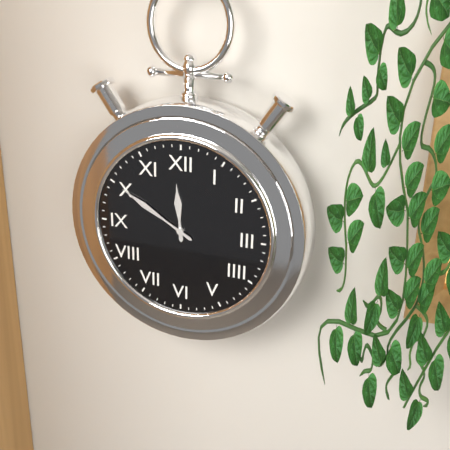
11:50
